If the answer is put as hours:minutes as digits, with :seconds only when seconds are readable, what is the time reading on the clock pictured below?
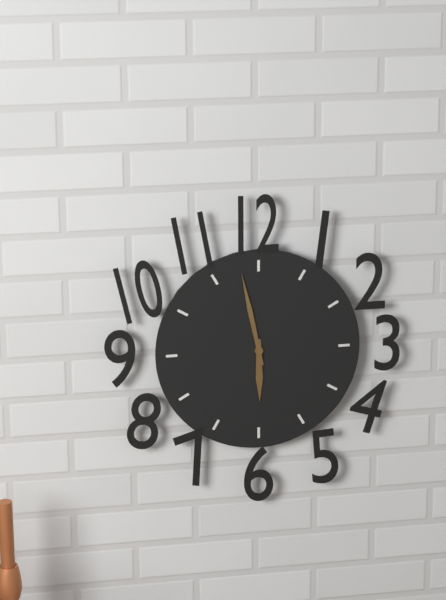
5:58
